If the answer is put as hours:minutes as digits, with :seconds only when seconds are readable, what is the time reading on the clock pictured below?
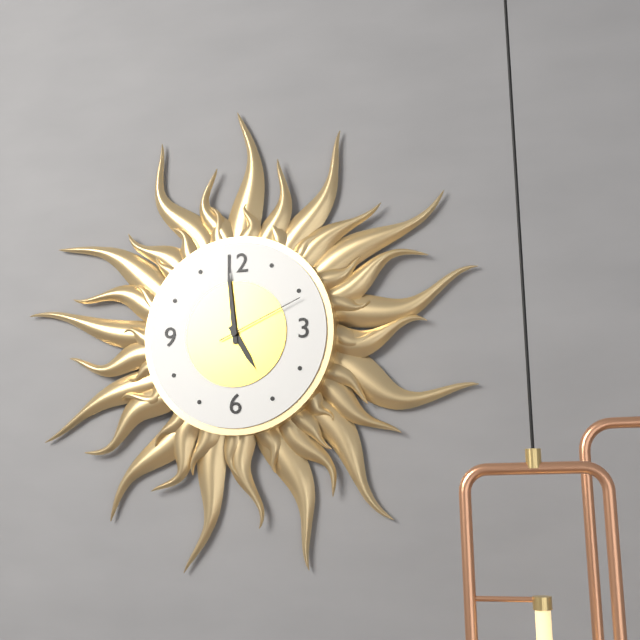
4:59:11
